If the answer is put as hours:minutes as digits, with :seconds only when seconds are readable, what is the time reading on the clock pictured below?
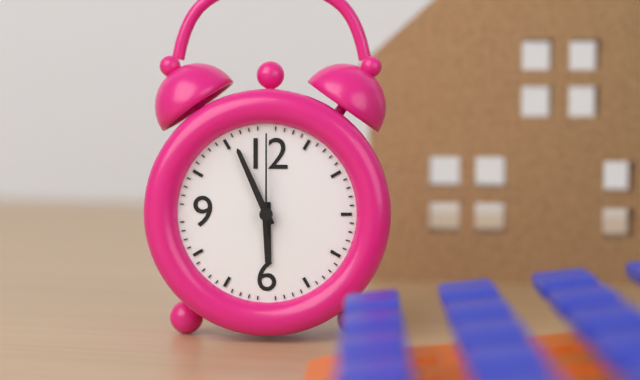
5:56:00
